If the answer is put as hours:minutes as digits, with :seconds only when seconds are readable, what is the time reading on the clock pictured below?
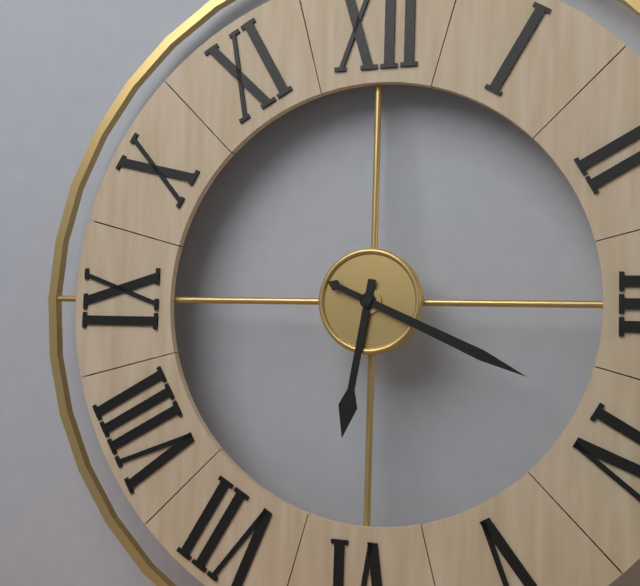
6:19
